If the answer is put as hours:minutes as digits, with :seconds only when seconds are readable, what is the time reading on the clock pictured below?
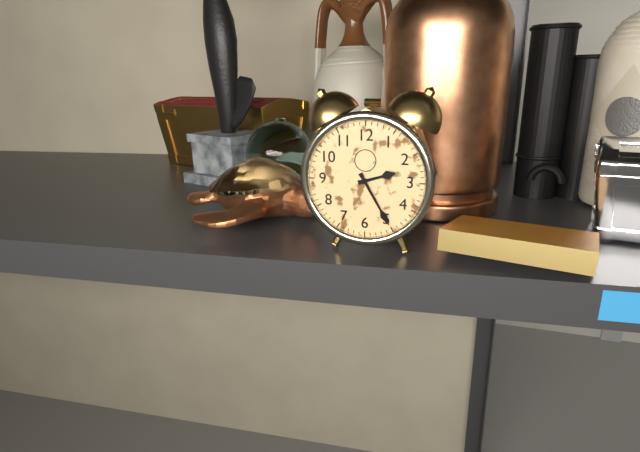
2:25
